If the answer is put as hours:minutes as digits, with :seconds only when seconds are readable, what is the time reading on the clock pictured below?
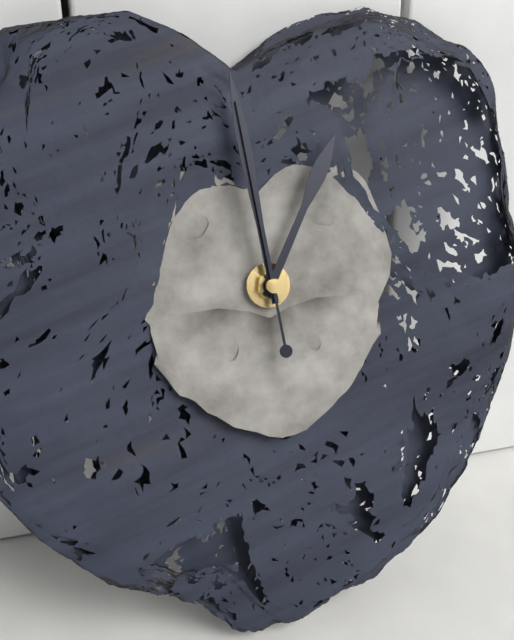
12:59:59
